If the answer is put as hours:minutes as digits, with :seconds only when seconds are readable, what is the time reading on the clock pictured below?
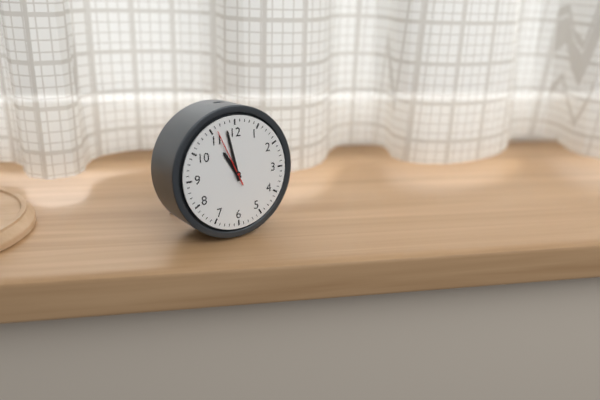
10:58:56
